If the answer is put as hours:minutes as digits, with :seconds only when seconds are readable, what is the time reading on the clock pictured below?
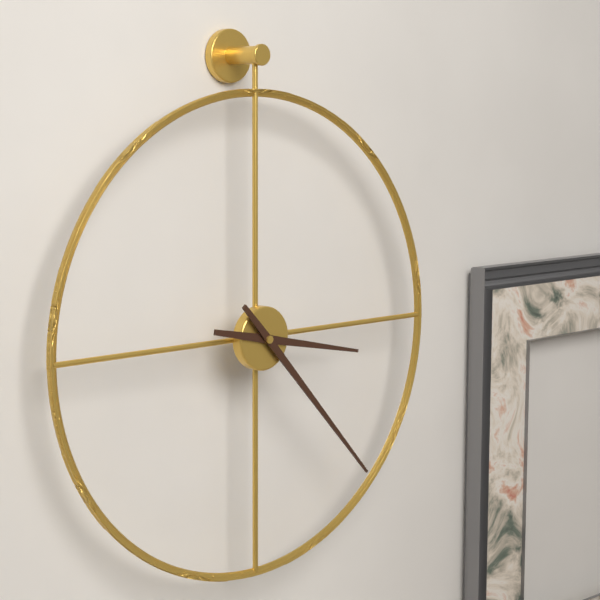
3:23
